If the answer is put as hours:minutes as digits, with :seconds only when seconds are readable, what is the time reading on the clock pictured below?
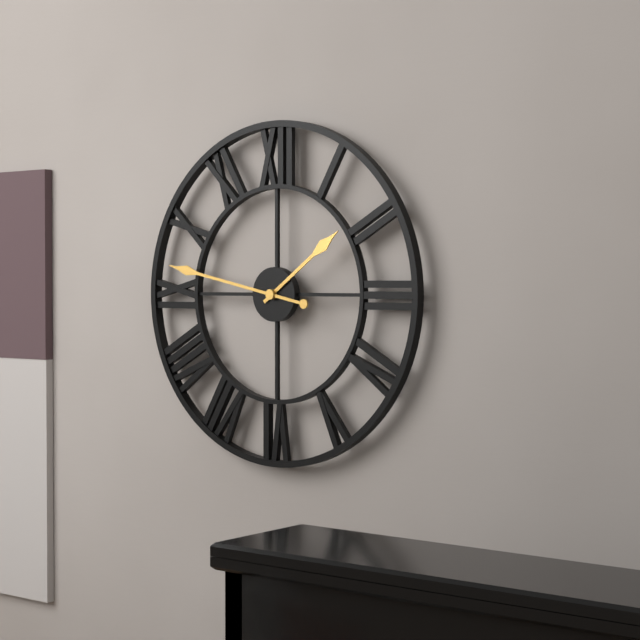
1:47
